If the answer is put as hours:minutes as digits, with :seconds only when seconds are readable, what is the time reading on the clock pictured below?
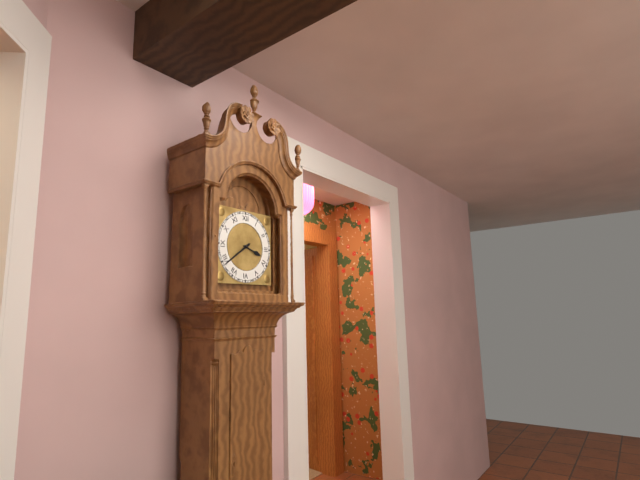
3:39
